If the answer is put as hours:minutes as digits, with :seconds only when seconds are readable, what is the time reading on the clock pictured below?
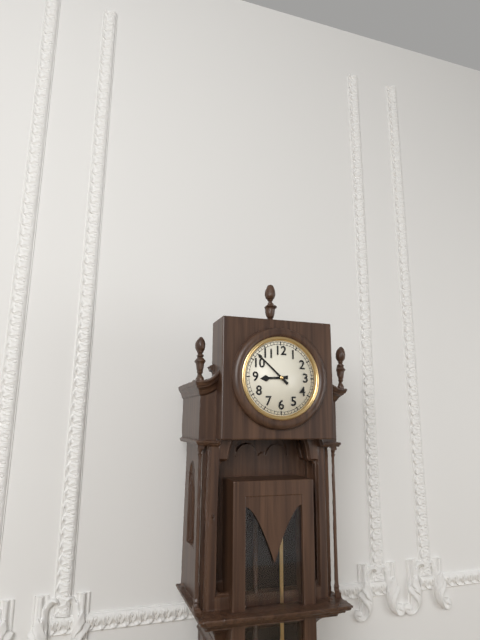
8:52
